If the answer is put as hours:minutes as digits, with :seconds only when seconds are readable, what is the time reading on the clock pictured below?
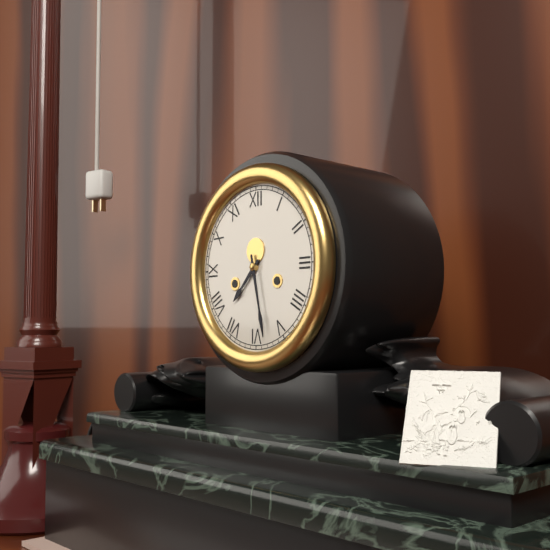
7:28
